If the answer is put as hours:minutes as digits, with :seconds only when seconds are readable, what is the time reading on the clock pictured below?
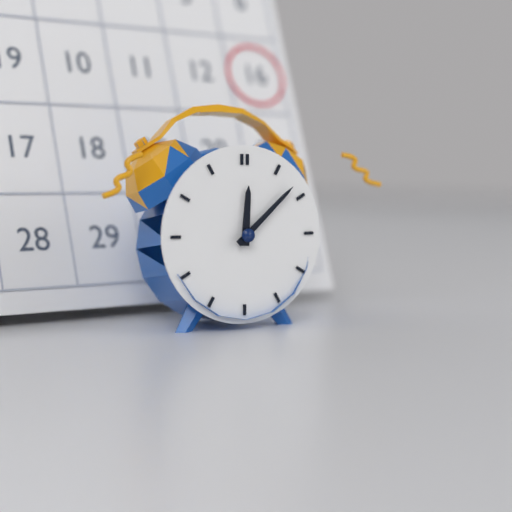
12:08
